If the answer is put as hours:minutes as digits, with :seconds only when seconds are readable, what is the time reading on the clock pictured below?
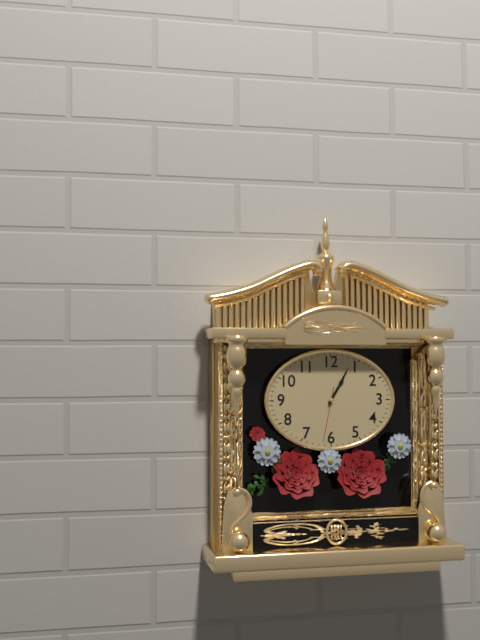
1:05:32
